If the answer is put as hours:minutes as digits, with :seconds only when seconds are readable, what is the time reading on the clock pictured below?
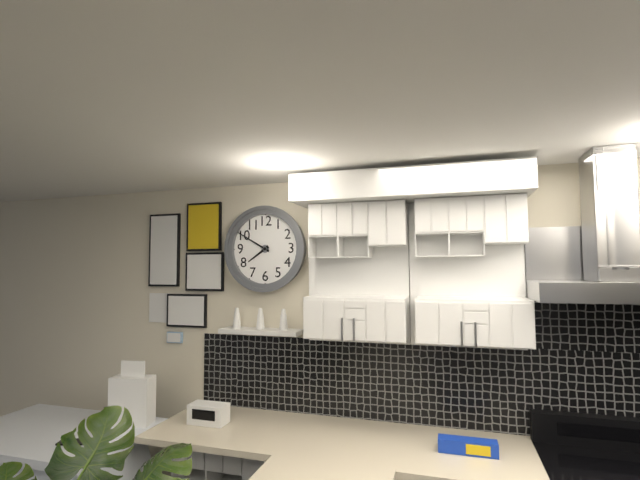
7:50
